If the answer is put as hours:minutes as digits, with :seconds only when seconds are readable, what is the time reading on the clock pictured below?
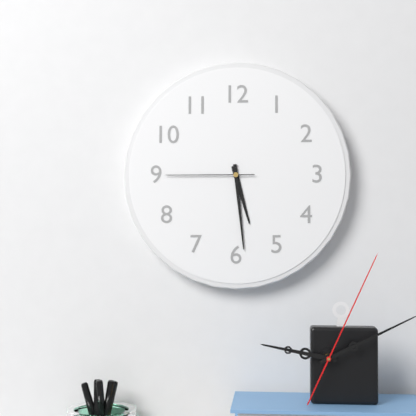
5:29:45
